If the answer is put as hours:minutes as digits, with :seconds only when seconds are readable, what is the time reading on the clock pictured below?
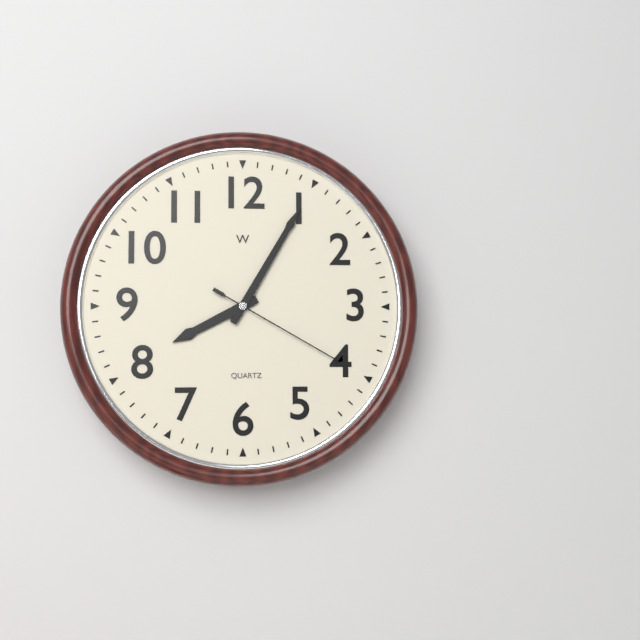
8:05:20
